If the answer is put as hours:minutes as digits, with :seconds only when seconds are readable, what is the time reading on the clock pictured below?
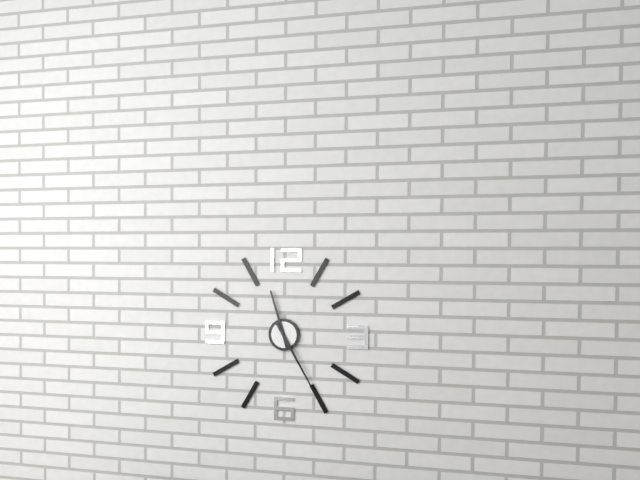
11:25
